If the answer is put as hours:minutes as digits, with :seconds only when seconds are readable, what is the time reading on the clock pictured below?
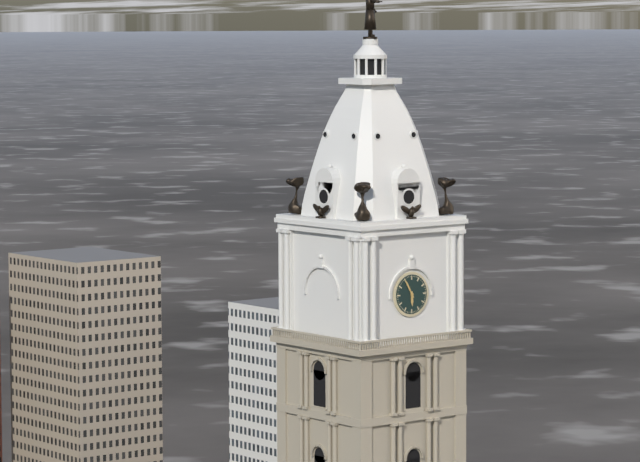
5:55
